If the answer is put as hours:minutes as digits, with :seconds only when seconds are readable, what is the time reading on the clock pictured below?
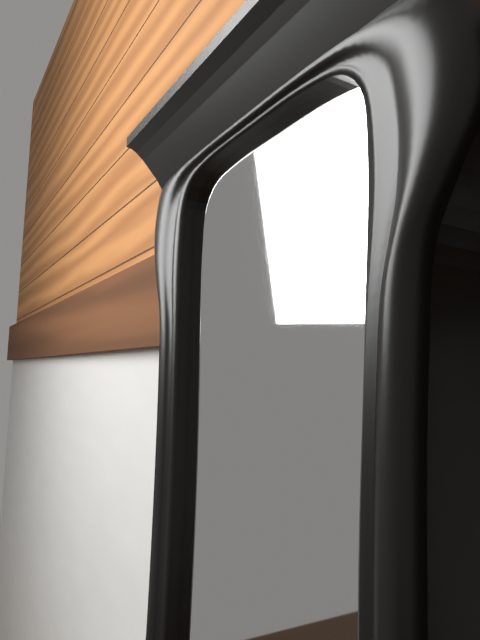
12:20
